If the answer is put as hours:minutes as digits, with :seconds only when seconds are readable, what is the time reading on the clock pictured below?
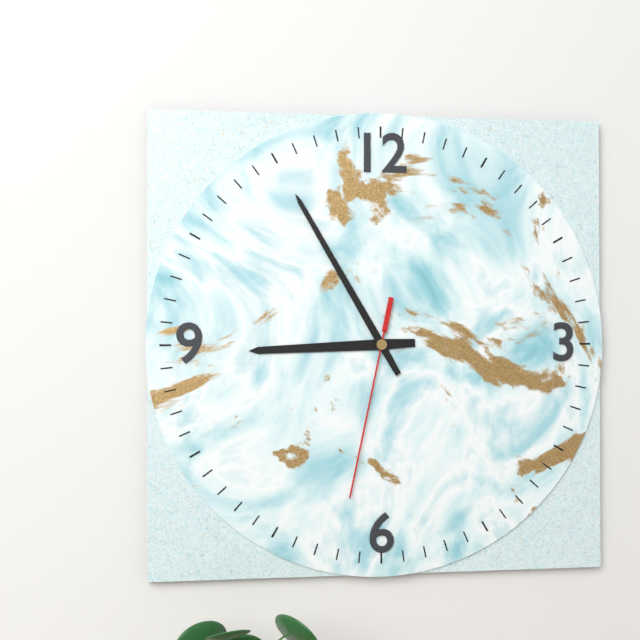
8:55:32
